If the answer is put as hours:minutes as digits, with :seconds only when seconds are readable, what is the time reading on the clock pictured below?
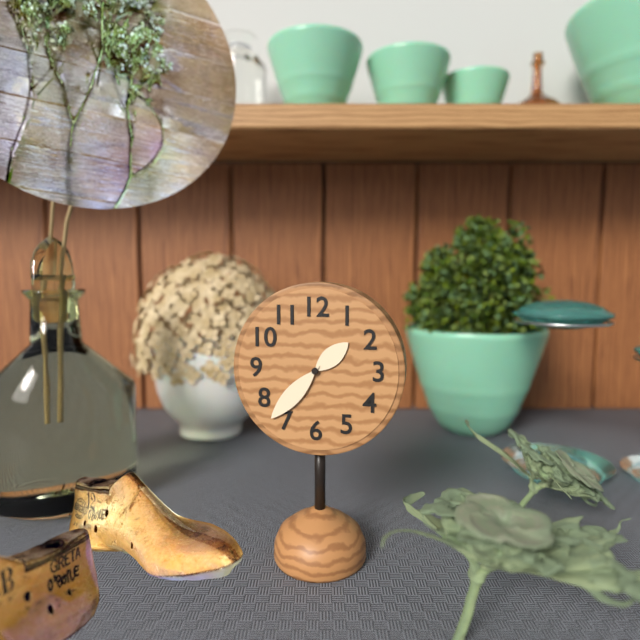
1:37
